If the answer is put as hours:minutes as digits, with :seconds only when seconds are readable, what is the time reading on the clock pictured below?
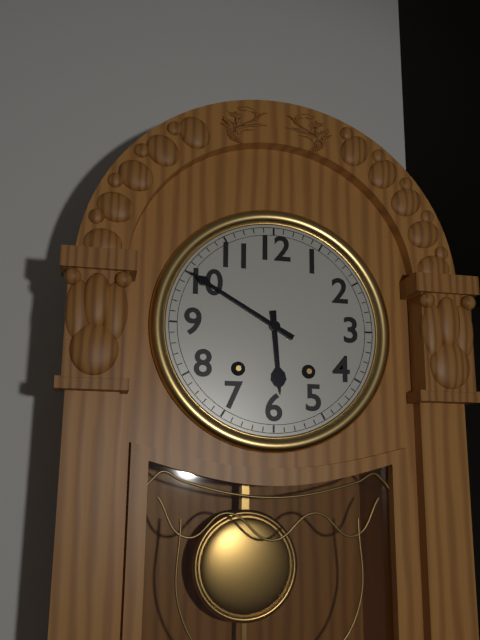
5:50
